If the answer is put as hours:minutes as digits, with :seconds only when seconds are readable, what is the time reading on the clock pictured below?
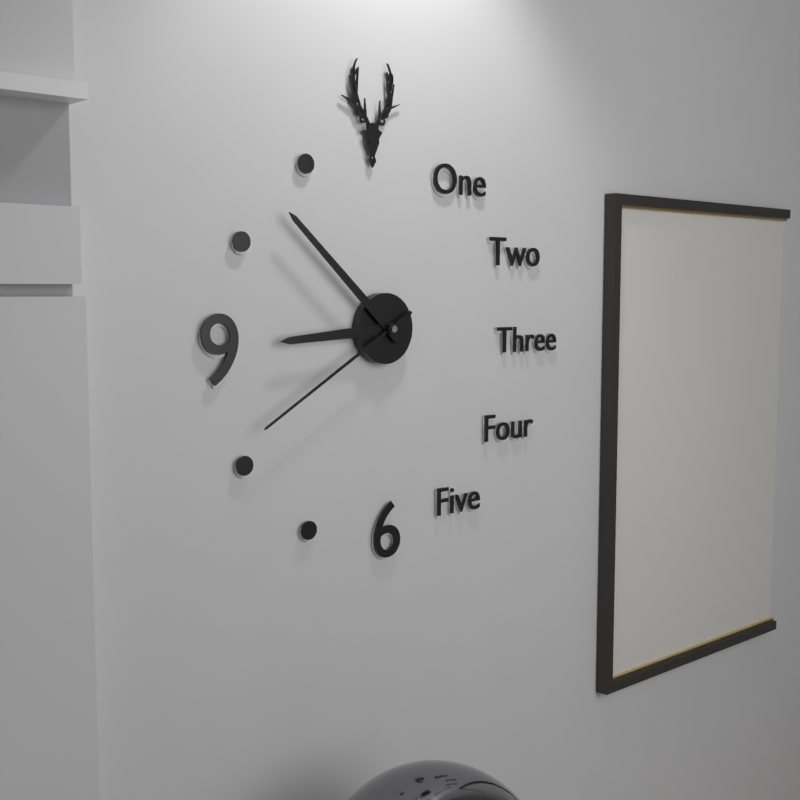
8:52:40
